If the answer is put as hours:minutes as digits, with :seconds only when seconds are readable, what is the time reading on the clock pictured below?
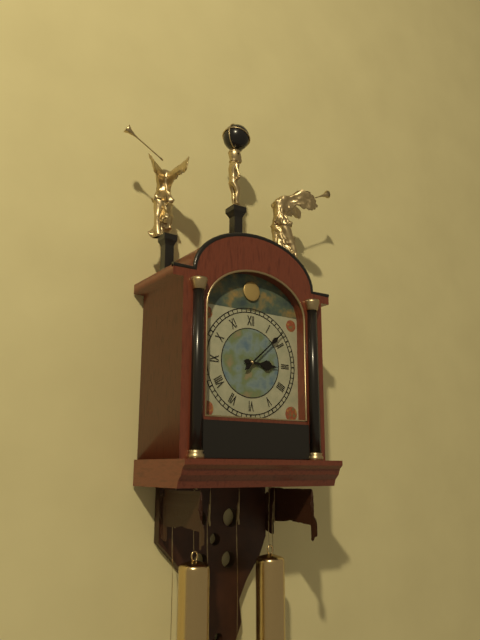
3:08
